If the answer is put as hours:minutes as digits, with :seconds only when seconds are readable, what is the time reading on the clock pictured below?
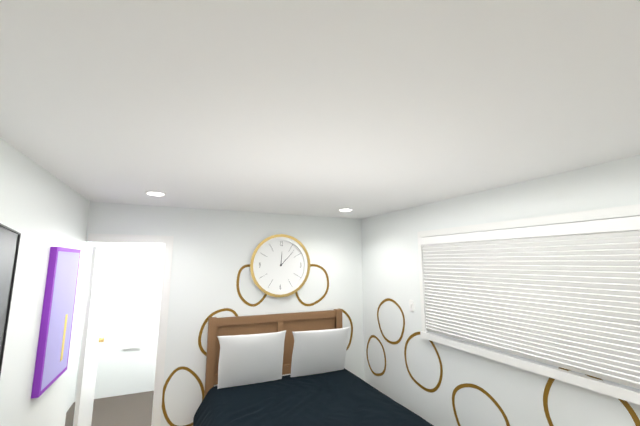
12:07
